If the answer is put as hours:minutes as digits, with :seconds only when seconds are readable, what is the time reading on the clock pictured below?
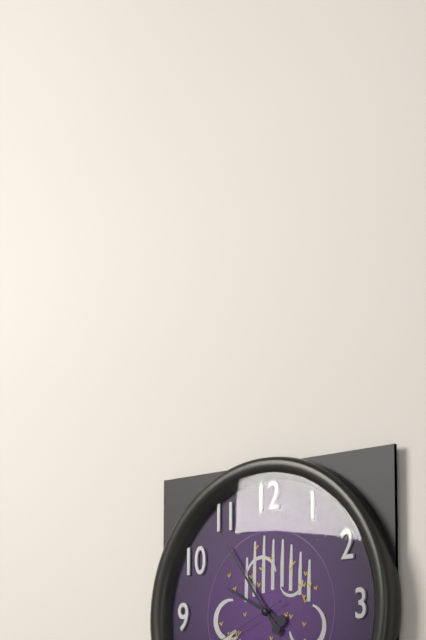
9:54
